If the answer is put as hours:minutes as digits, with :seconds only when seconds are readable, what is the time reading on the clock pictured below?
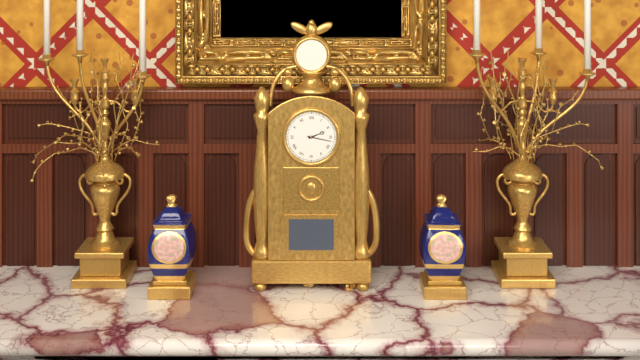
2:17
